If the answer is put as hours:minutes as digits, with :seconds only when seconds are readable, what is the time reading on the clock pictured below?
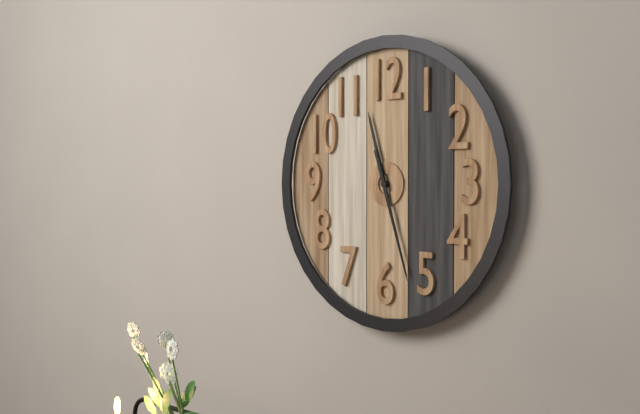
11:27
